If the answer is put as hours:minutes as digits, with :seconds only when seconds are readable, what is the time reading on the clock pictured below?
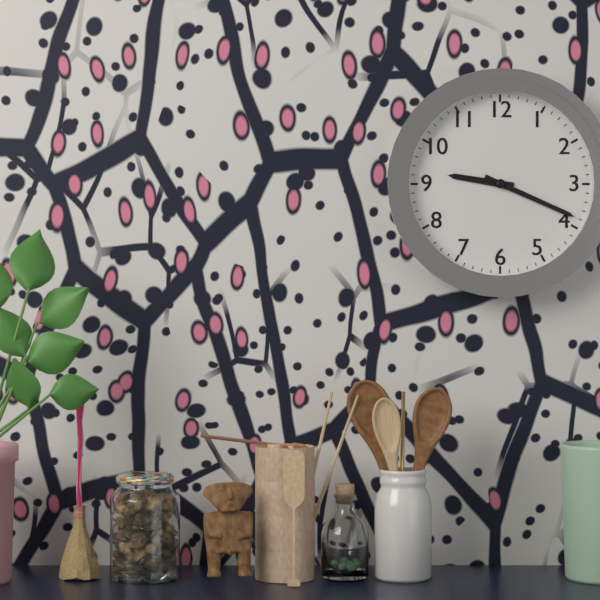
9:19
